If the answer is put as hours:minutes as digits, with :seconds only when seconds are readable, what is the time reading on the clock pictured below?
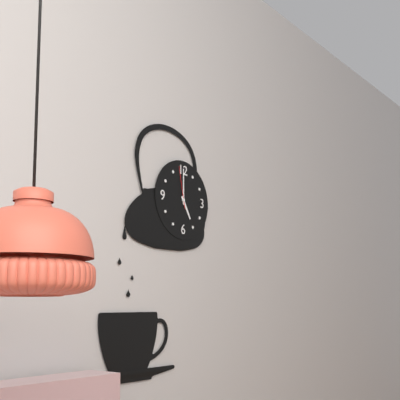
5:00
